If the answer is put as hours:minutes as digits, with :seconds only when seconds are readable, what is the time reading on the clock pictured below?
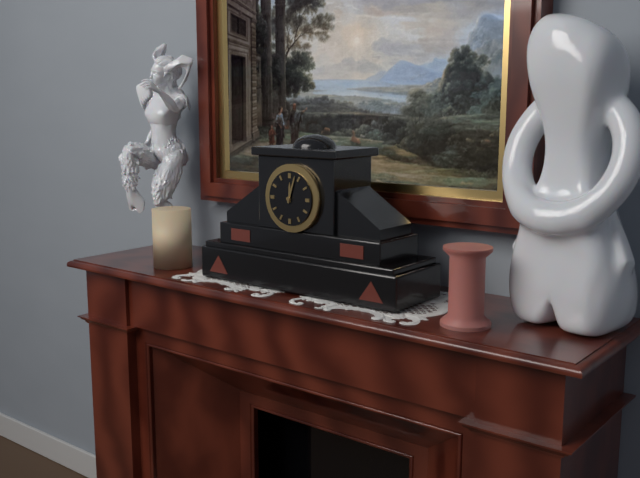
12:03
